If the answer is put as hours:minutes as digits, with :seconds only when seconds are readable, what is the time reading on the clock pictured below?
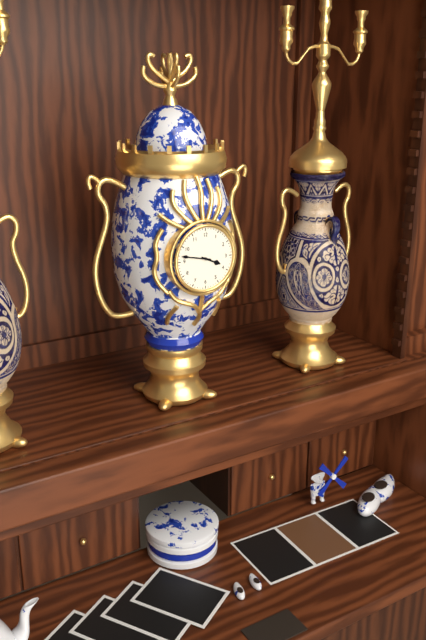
3:47
